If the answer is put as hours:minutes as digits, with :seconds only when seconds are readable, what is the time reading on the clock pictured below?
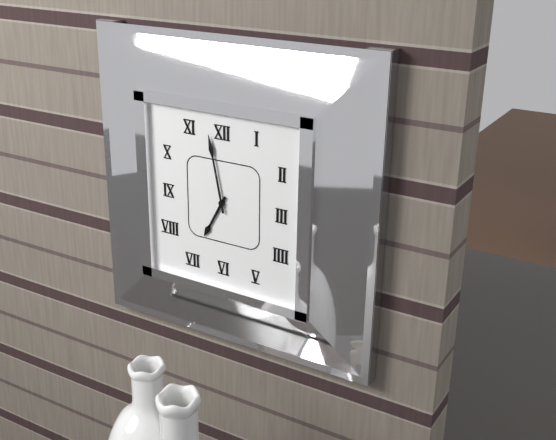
6:58
